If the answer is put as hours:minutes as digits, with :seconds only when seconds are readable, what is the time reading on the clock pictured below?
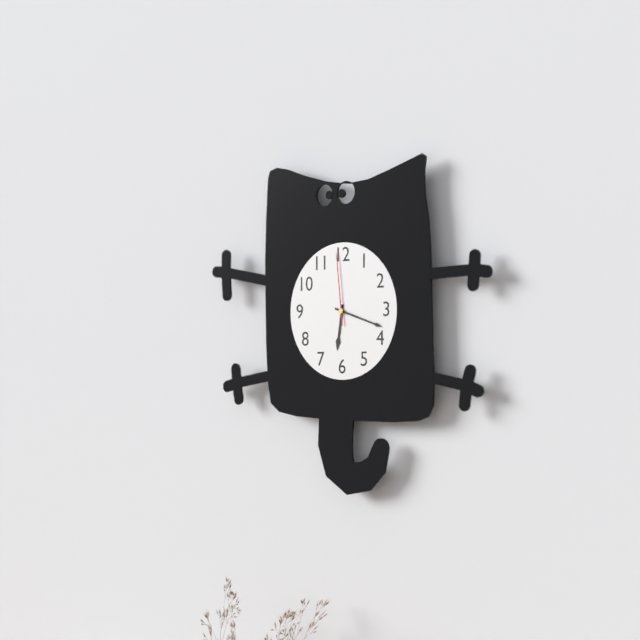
6:18:59
